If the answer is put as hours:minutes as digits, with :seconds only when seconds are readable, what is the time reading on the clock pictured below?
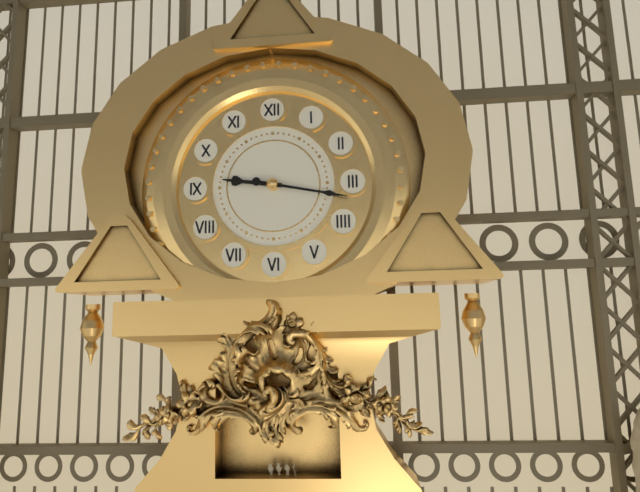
9:17
